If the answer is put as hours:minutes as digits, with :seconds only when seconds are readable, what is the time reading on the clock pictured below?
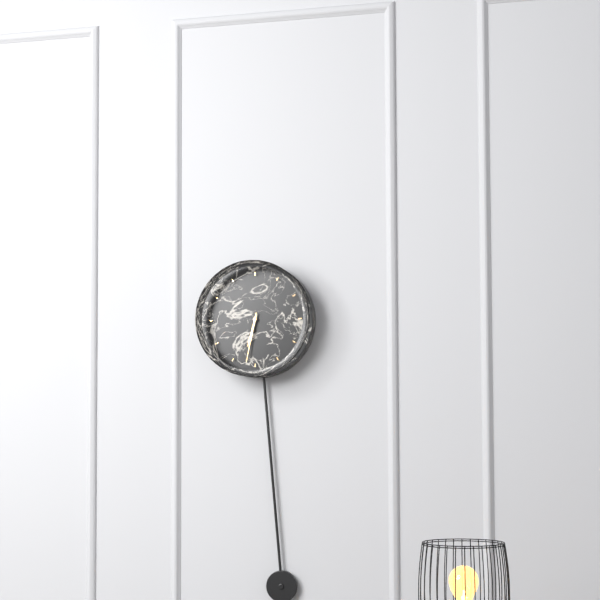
6:32
